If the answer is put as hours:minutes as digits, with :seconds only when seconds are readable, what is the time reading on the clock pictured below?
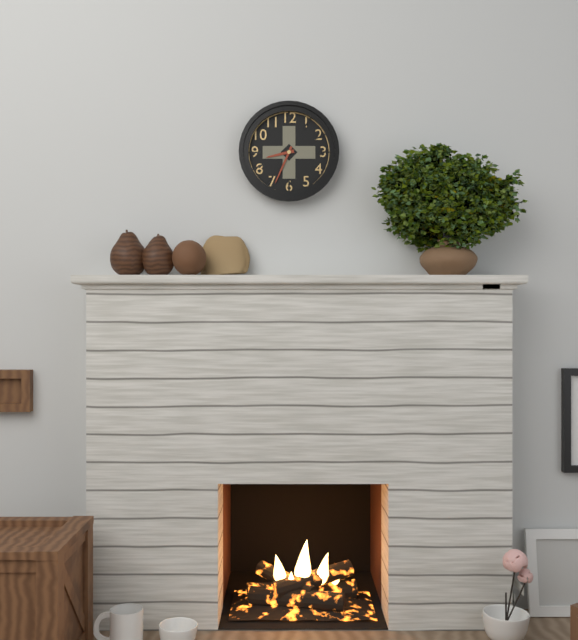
8:34
